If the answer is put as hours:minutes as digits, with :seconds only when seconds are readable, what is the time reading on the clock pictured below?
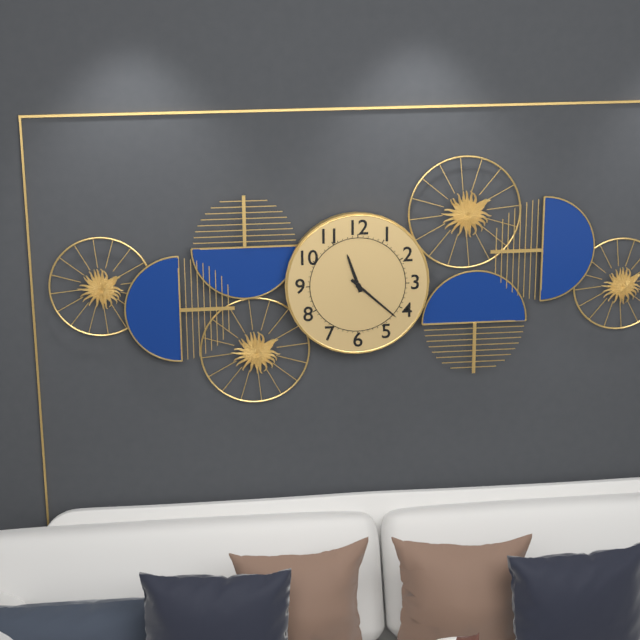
11:22
